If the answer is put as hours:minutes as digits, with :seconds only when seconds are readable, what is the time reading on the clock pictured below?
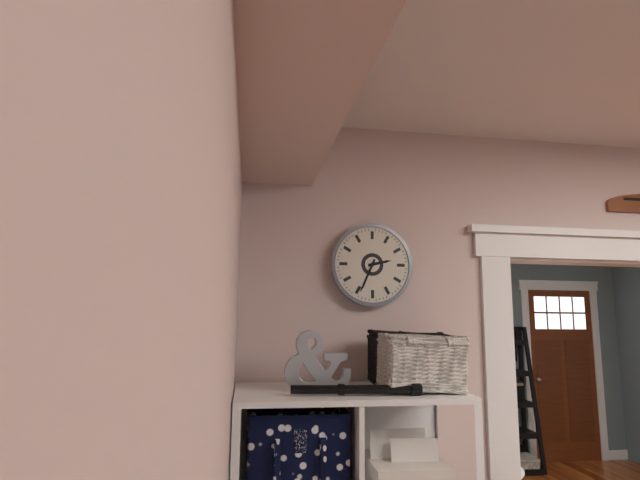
2:34
